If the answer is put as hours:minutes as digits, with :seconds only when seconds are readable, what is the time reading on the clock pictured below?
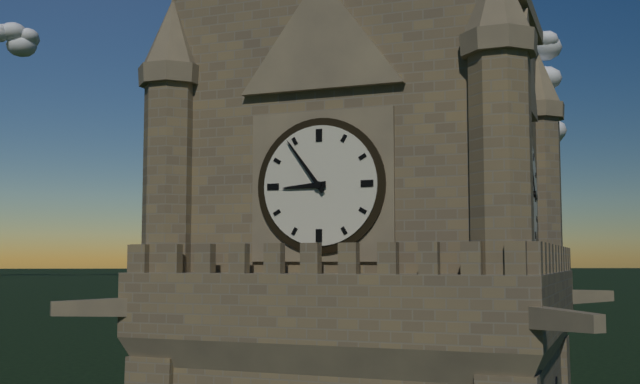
8:54
